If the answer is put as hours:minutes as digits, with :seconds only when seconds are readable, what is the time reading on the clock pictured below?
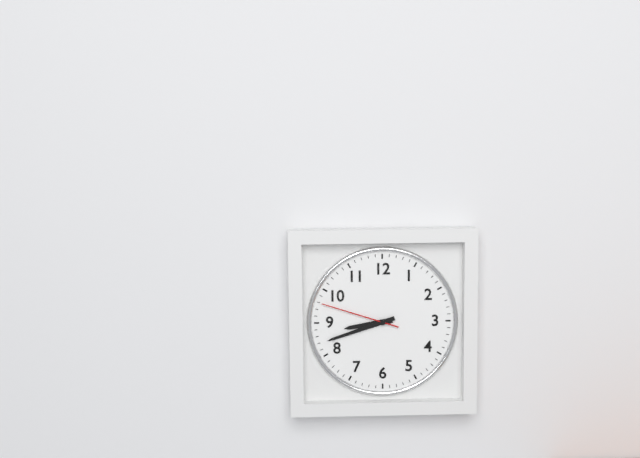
8:42:48
